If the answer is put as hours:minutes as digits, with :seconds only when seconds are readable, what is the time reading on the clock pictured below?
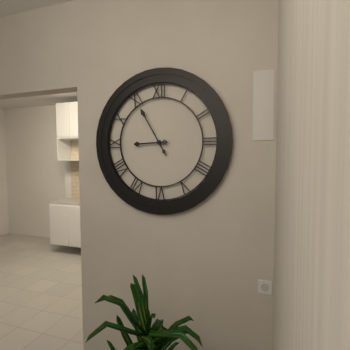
8:55
